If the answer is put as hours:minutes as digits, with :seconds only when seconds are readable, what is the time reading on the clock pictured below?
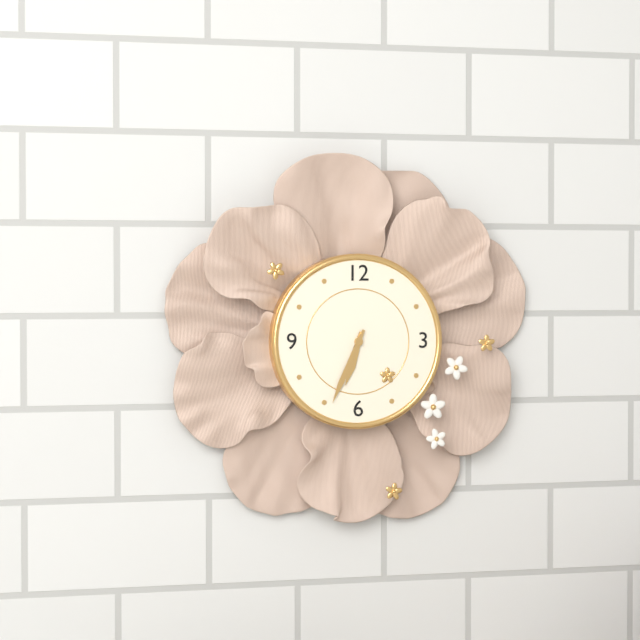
6:34
